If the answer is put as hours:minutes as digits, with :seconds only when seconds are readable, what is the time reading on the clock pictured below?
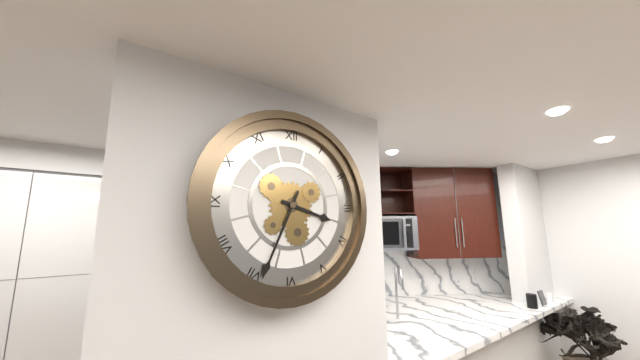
3:34
